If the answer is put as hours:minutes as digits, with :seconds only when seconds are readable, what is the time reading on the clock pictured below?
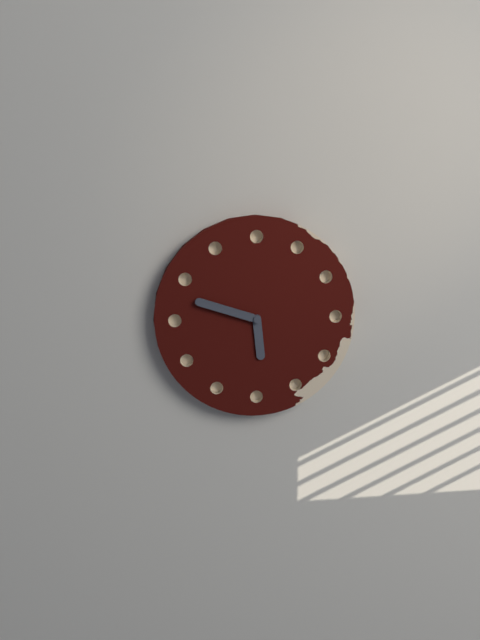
5:48
